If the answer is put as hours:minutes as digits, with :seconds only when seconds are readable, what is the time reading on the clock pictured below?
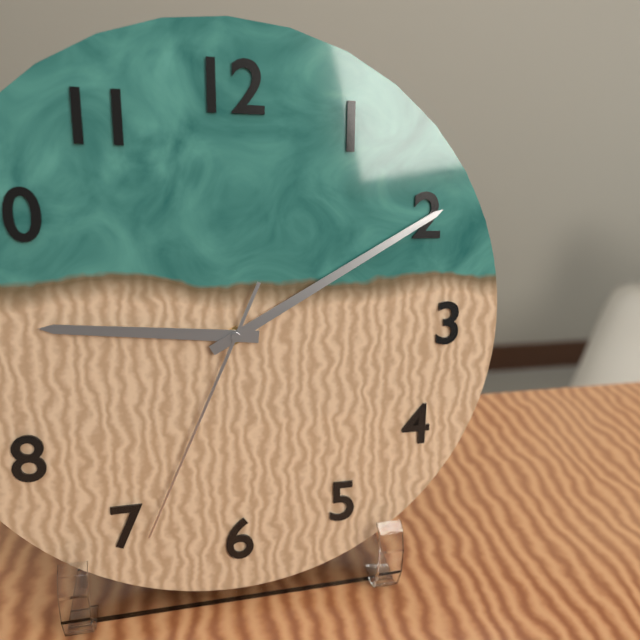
9:10:34
